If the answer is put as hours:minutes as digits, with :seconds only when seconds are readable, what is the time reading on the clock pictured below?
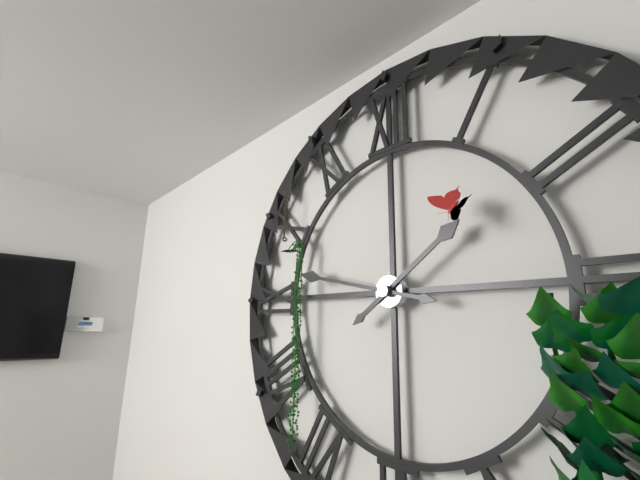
1:47
